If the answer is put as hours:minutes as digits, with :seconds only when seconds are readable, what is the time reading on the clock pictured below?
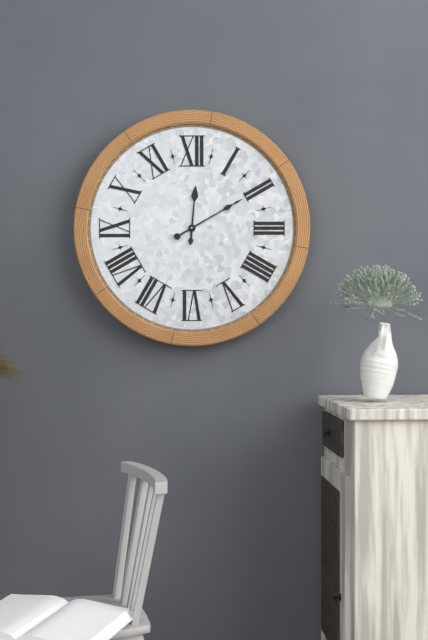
12:10
